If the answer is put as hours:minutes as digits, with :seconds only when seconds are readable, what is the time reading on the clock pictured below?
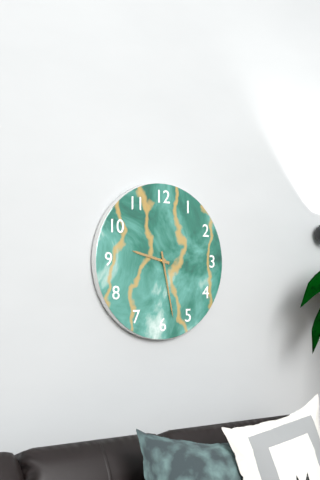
9:28
